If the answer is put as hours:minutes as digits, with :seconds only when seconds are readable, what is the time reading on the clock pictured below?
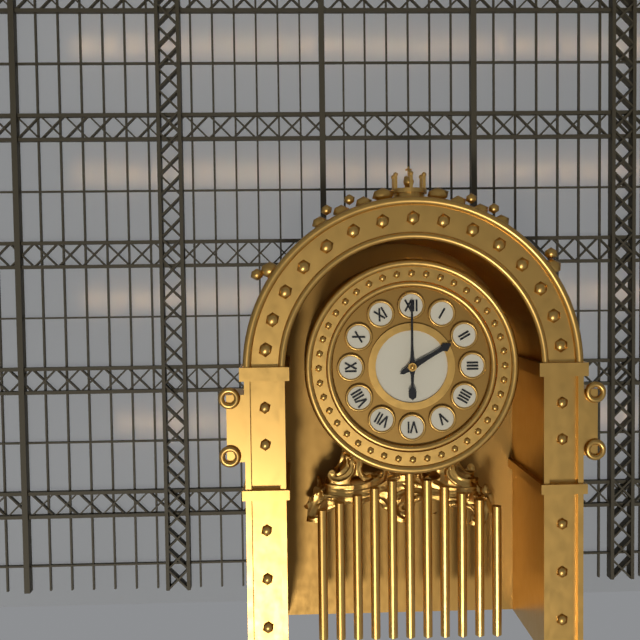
2:00
